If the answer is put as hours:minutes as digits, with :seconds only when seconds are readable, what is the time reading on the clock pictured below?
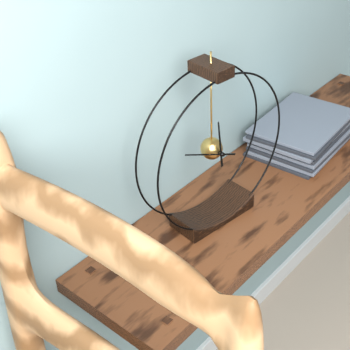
11:49
